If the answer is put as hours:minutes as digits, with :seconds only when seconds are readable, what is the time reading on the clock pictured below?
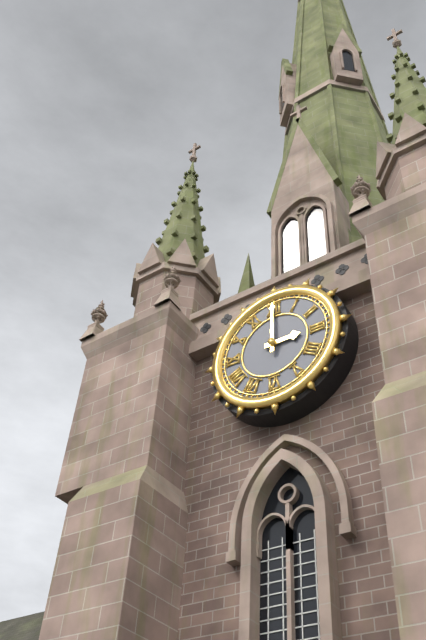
3:00
